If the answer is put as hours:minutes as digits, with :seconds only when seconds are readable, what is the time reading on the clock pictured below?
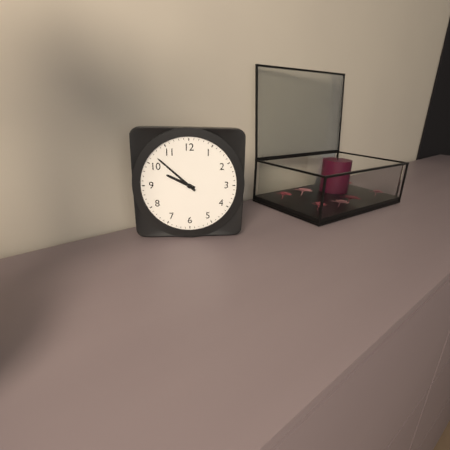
9:52
